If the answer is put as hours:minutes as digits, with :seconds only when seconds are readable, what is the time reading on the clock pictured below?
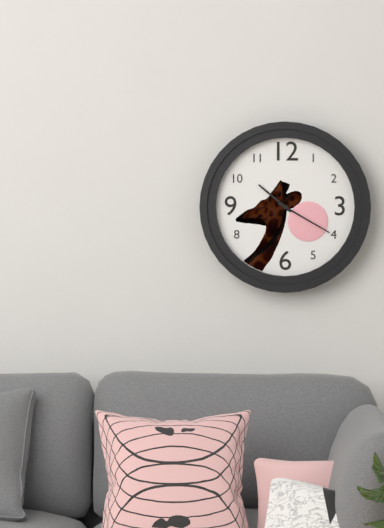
10:20
